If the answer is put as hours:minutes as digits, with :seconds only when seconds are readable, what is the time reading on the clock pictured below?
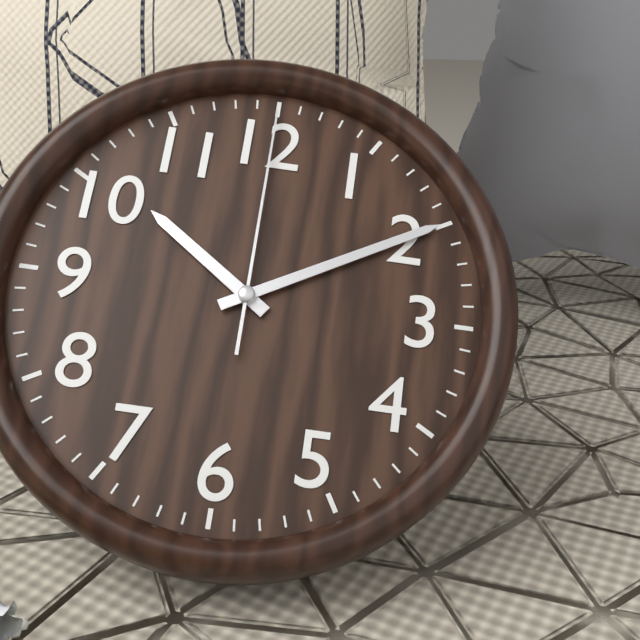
10:10:00
